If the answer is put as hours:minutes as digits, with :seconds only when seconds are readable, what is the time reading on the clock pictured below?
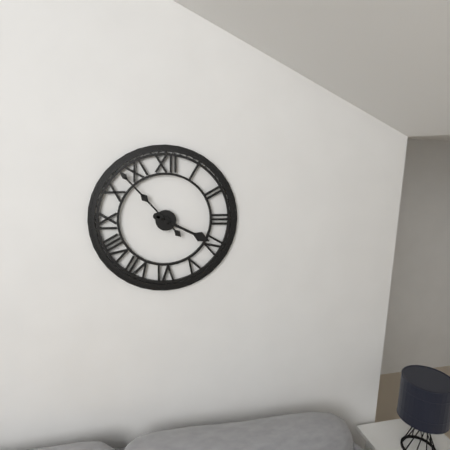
3:53
